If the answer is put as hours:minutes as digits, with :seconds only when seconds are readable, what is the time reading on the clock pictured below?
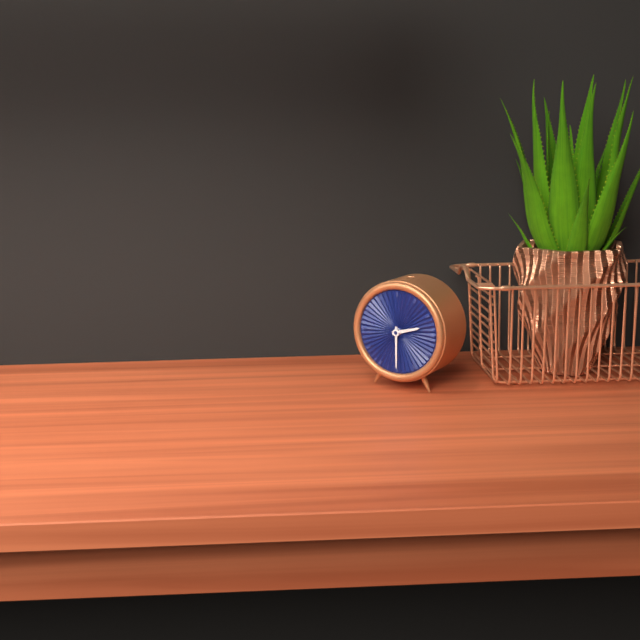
2:30
